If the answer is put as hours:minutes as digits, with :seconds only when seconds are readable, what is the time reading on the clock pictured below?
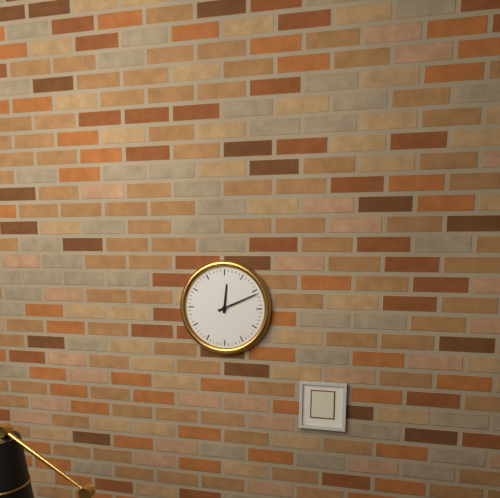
12:11
